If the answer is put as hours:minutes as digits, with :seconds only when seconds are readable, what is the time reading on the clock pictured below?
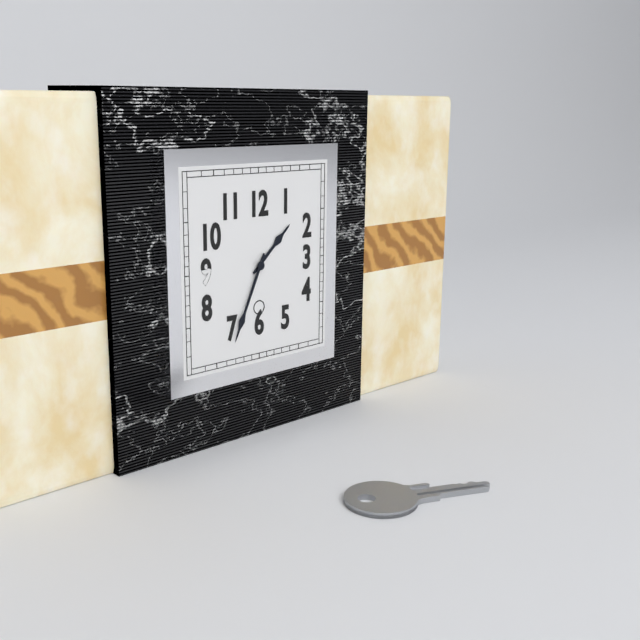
1:34
